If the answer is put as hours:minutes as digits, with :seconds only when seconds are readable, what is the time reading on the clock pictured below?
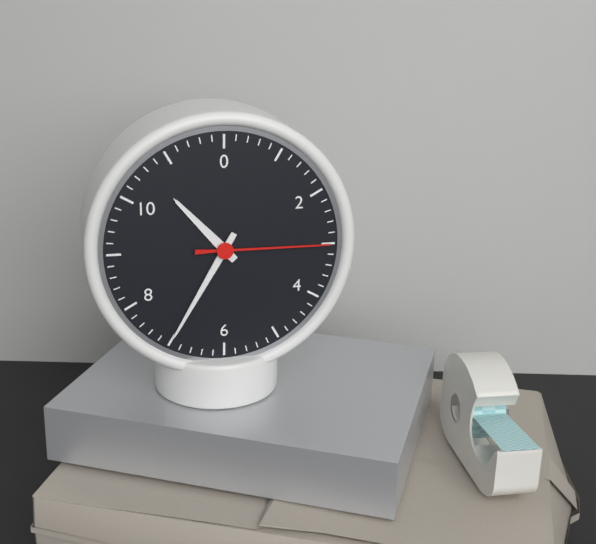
10:35:15
